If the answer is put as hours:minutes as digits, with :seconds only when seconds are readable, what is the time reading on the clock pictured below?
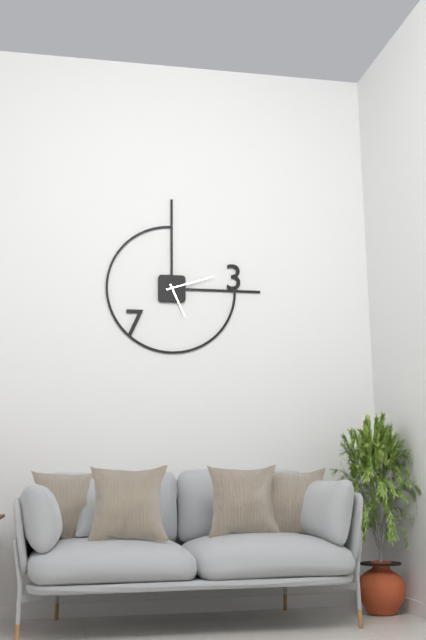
5:12
